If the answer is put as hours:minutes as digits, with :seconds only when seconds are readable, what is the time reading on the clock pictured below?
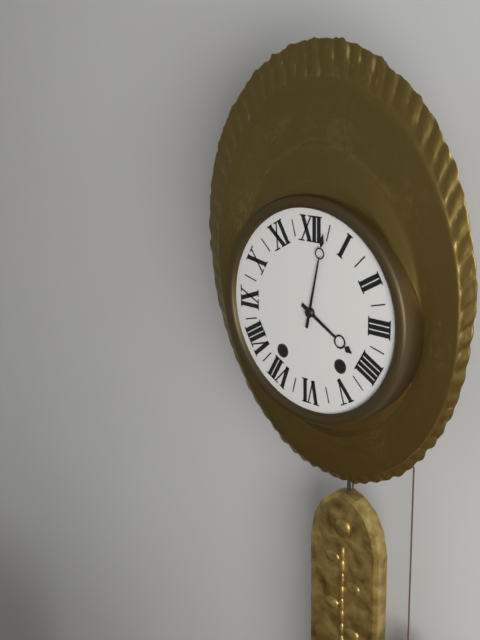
4:02
